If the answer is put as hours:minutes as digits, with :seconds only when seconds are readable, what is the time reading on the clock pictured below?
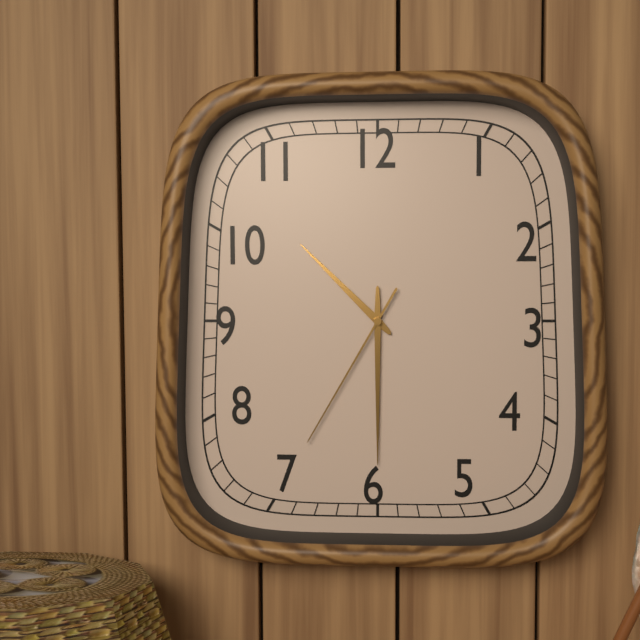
10:30:35
